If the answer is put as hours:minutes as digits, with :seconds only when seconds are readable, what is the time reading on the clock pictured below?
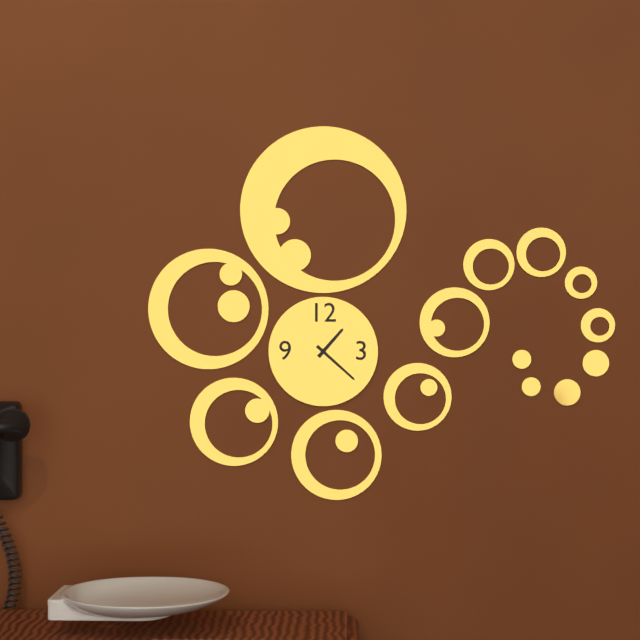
1:22
